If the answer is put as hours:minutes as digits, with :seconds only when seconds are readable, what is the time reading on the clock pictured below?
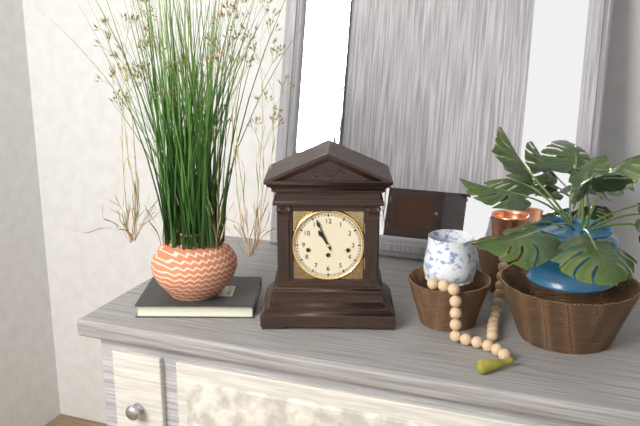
10:56
